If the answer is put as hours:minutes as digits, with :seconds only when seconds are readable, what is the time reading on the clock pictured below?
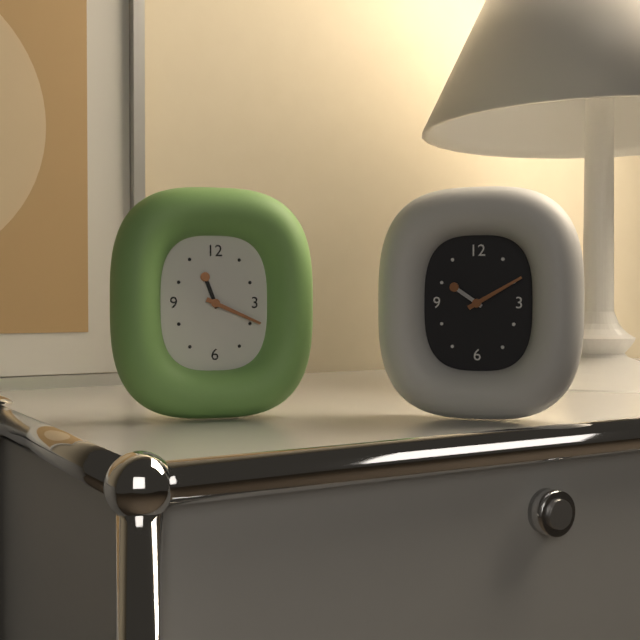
11:19
